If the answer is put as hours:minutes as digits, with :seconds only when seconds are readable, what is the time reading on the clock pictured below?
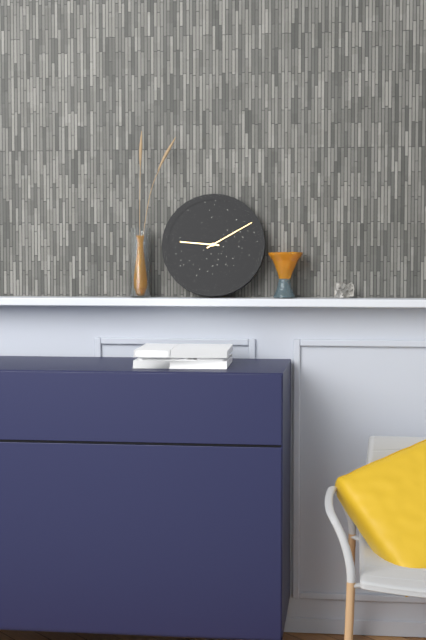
9:10
